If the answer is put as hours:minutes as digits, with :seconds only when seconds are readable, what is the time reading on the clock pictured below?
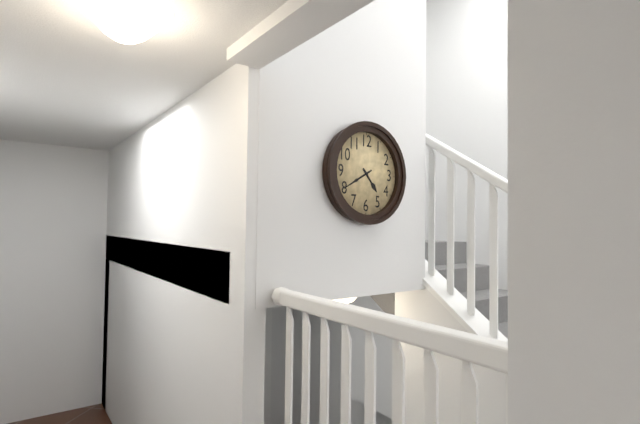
4:40
